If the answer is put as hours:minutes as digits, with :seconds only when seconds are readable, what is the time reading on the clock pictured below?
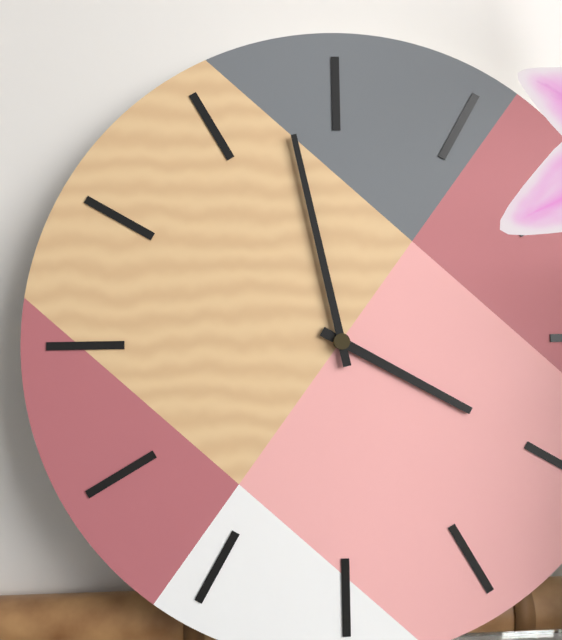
3:58
